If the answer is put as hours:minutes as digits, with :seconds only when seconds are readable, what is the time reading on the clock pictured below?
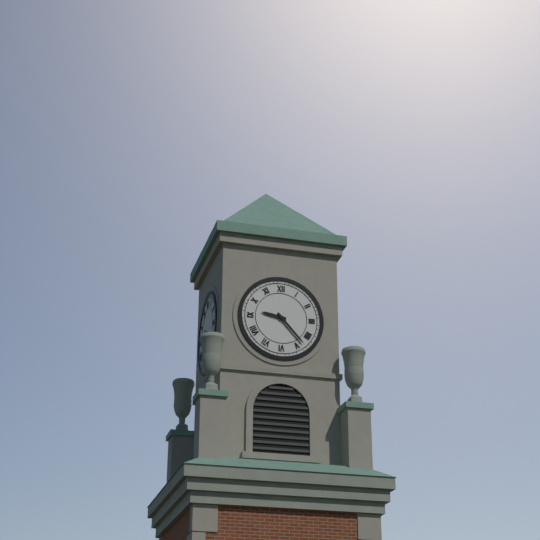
9:23
